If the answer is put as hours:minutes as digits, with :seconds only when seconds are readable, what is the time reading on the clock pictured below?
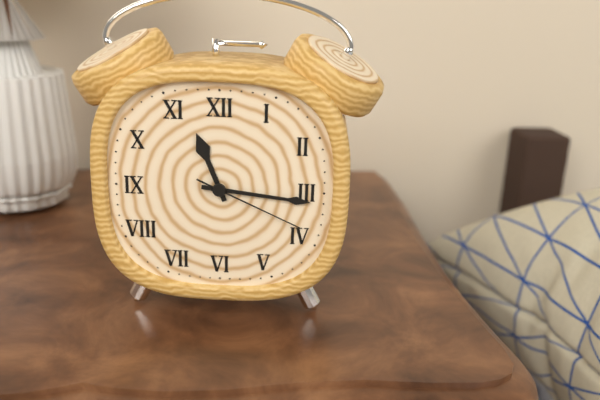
11:16:19
